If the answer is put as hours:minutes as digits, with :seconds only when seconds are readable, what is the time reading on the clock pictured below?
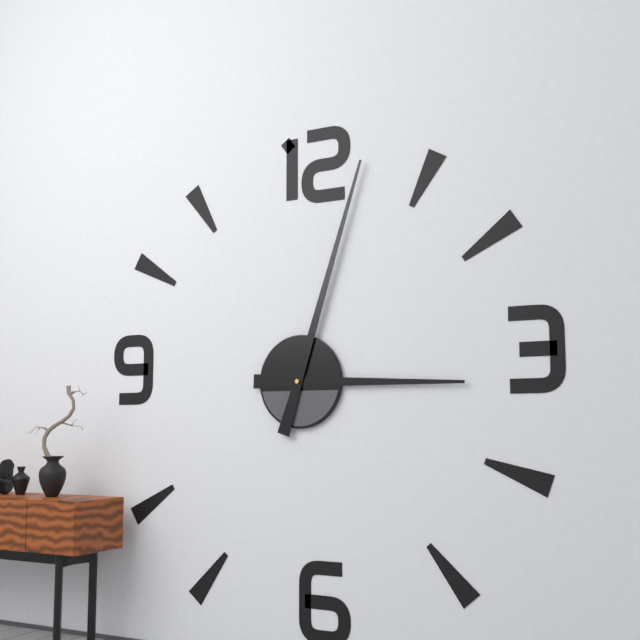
3:03
